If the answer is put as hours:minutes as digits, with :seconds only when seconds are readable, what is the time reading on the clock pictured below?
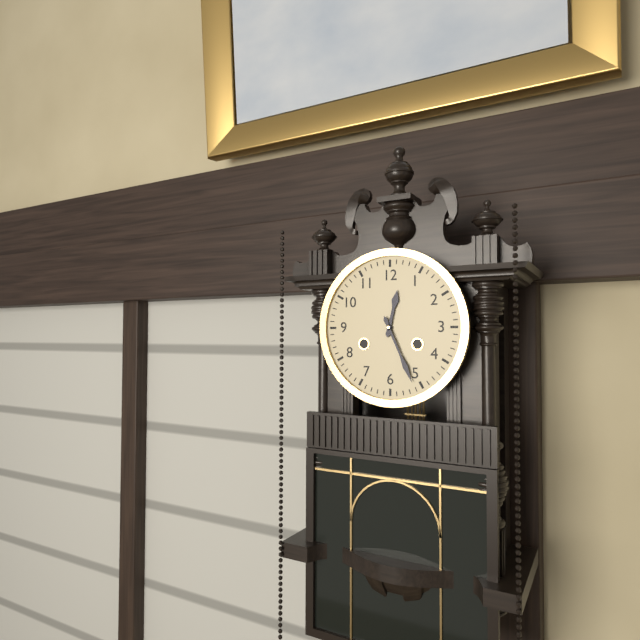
12:26
